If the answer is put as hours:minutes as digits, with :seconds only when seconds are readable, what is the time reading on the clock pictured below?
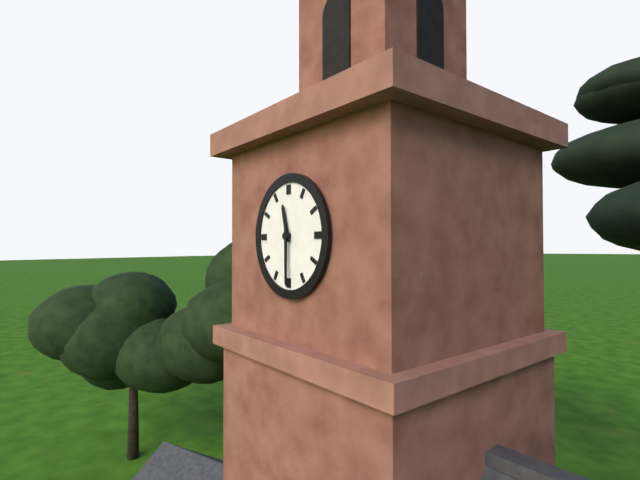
11:30
